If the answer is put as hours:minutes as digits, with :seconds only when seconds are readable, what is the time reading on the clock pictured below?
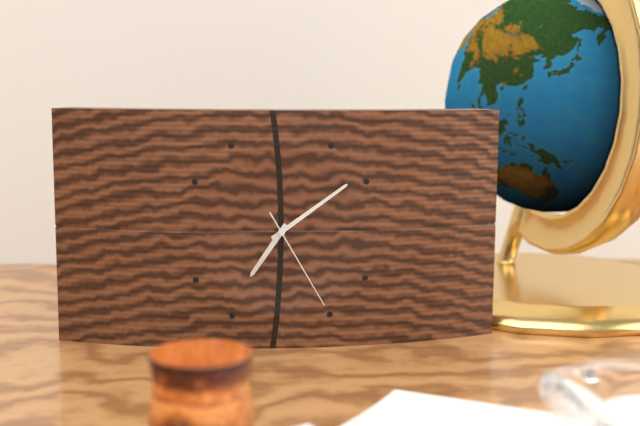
7:09:25
